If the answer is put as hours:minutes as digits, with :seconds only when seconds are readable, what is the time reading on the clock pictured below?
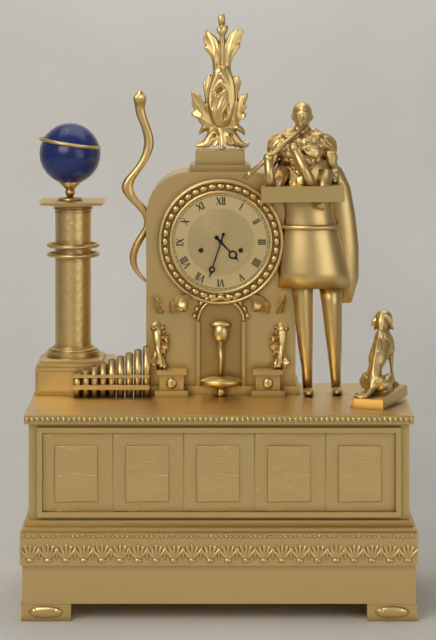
4:33
